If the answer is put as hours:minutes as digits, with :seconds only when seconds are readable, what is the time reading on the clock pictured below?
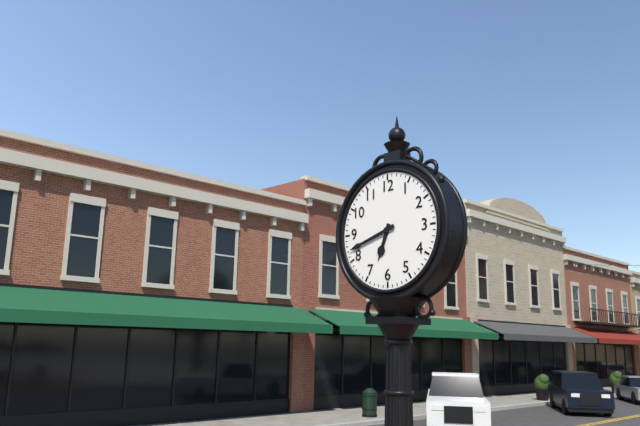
6:42
